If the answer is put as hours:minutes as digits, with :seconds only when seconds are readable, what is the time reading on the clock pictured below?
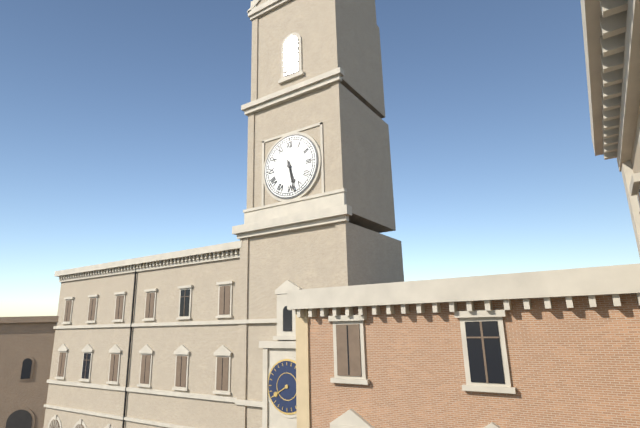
5:28
